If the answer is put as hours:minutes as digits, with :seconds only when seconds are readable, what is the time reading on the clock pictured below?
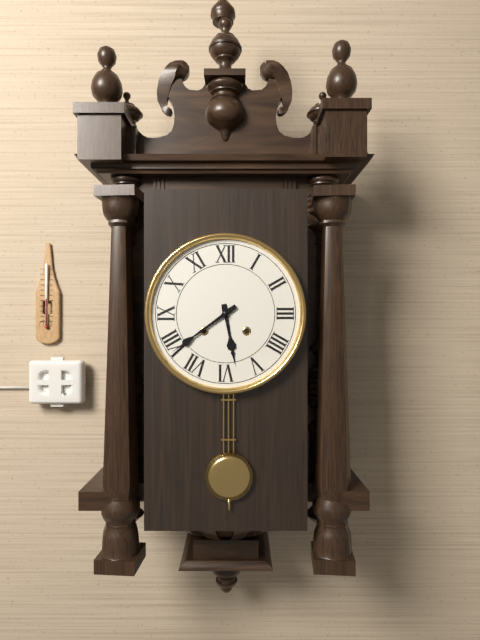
5:39
